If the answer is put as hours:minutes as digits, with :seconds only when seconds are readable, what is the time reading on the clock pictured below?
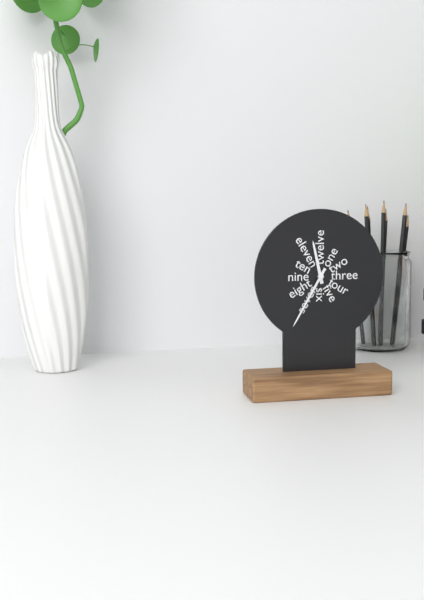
11:35
